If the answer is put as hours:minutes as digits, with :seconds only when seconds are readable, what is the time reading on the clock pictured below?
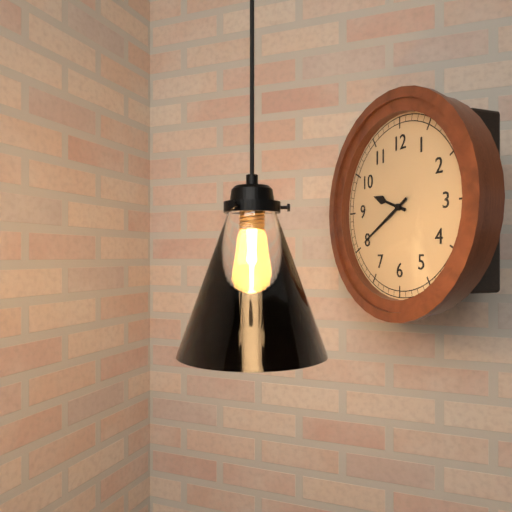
9:40
